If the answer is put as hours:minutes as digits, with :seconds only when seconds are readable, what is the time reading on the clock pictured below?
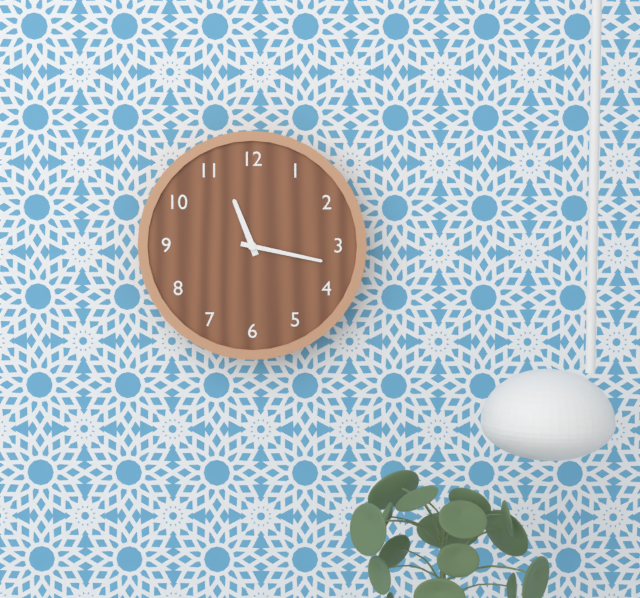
11:17
